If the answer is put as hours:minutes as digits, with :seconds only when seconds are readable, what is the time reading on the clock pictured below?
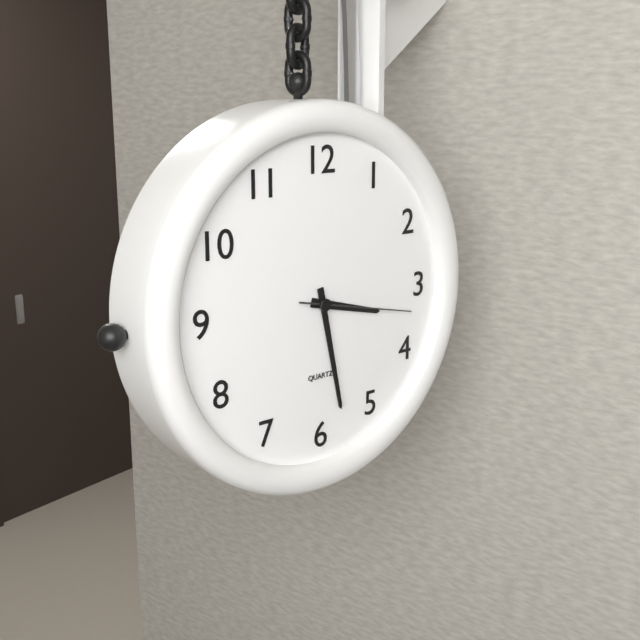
3:28:17
